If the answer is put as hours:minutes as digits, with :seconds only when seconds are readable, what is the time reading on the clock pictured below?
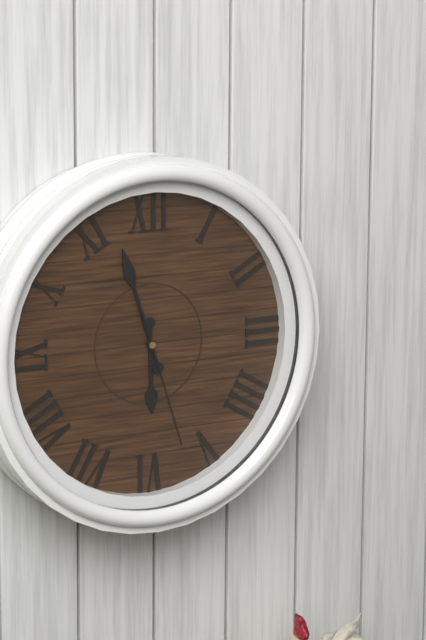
5:57:27
